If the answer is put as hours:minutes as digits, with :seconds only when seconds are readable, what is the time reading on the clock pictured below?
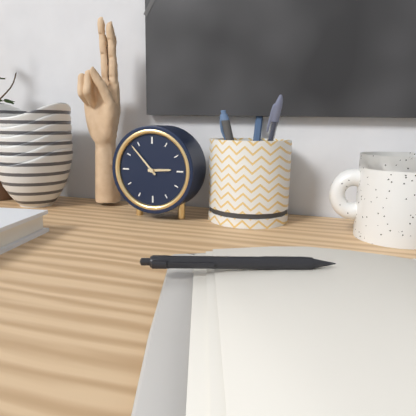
2:53
